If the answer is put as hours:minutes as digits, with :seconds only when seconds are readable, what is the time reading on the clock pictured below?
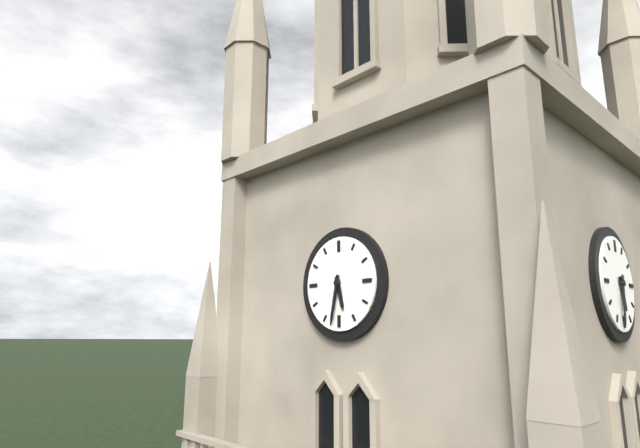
5:32
